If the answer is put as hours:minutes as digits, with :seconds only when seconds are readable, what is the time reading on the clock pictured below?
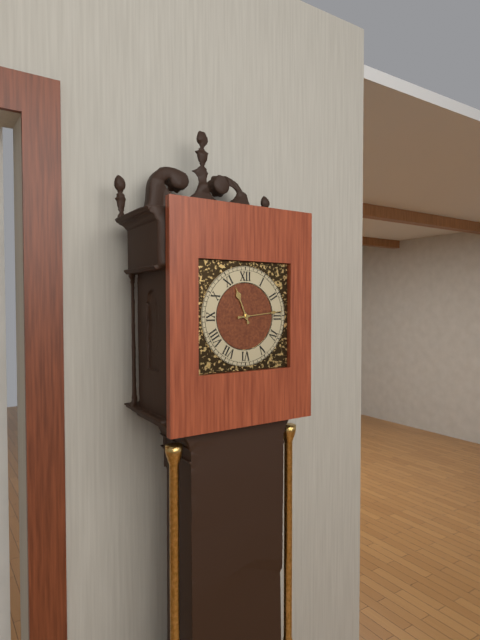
11:14
